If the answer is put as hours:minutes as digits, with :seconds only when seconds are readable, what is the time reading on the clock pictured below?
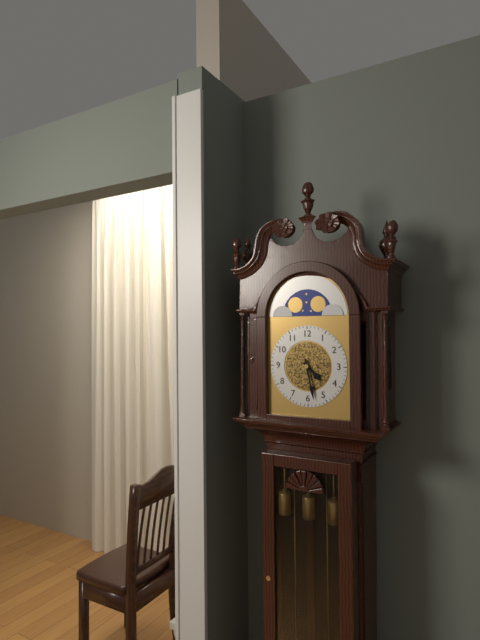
4:28
